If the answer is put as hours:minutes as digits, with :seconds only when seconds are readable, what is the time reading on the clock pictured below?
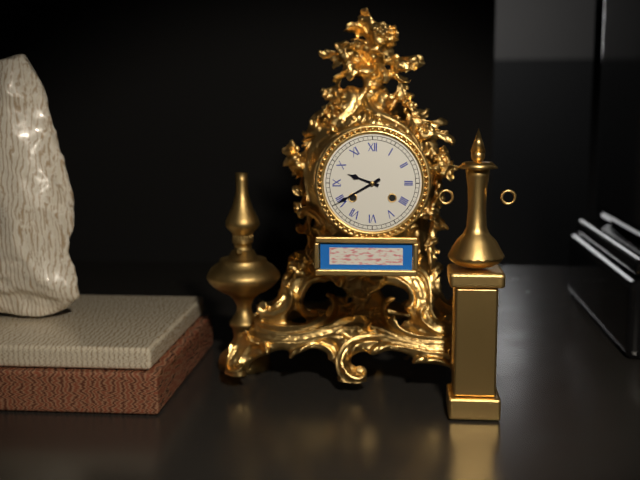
9:40
